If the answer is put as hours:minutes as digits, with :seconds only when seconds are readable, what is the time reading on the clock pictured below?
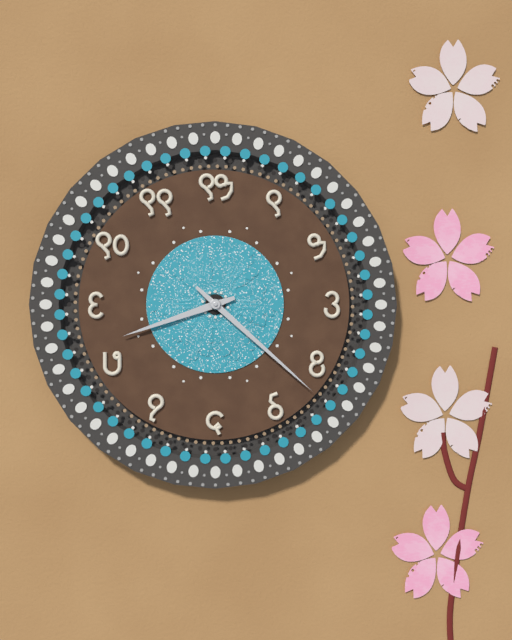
8:22
